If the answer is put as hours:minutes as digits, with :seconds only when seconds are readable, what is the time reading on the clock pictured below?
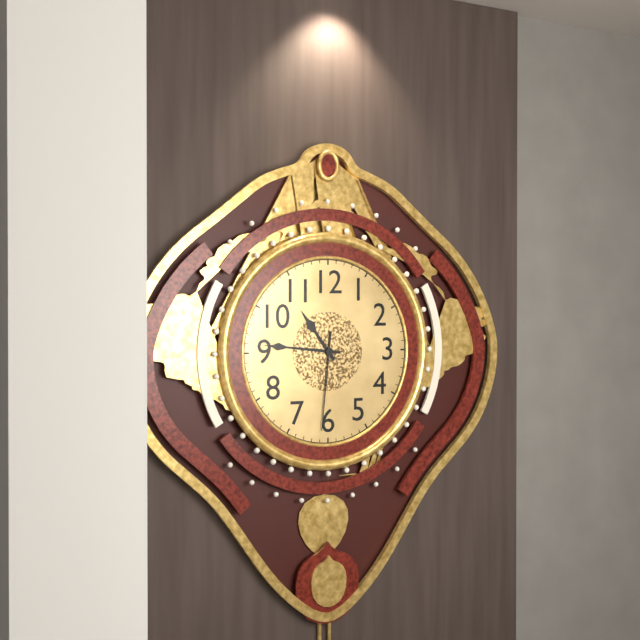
10:46:31
